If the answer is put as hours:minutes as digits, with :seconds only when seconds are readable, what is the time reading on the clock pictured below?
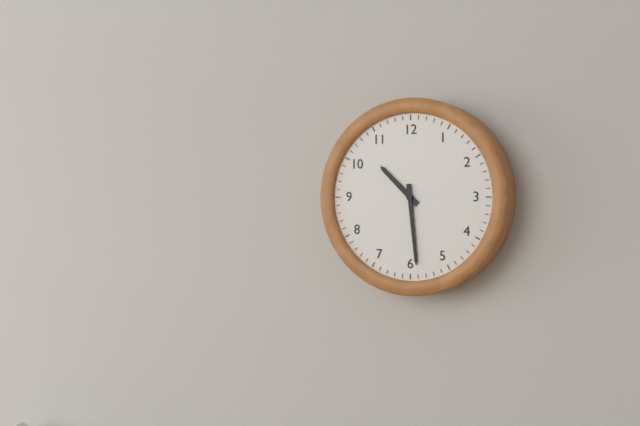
10:29
